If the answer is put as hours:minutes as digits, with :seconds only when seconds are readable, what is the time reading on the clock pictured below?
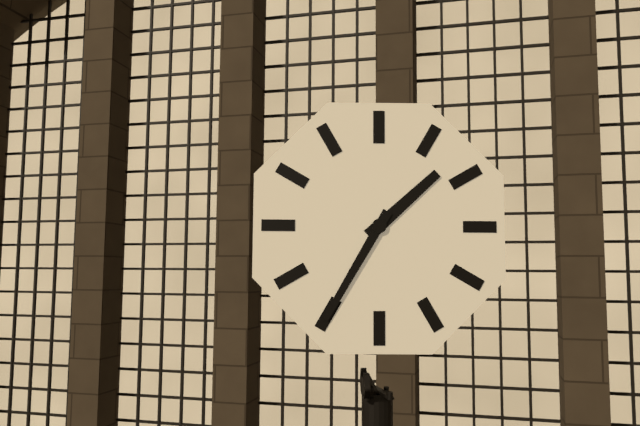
1:35
